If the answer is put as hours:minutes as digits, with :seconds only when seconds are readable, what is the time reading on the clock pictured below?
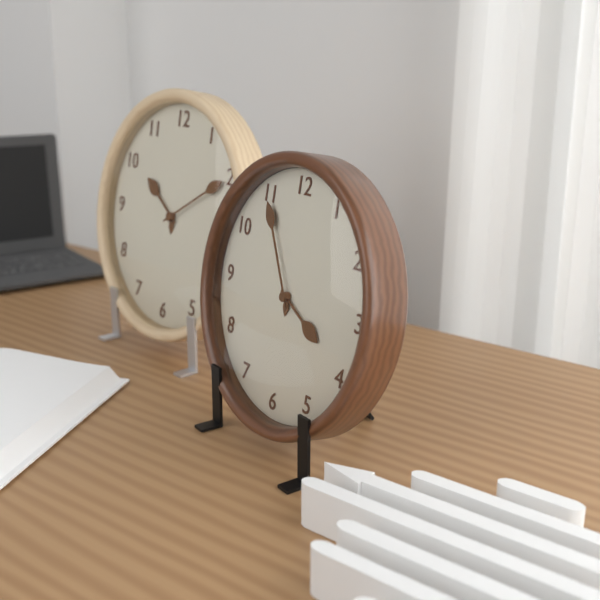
3:55
